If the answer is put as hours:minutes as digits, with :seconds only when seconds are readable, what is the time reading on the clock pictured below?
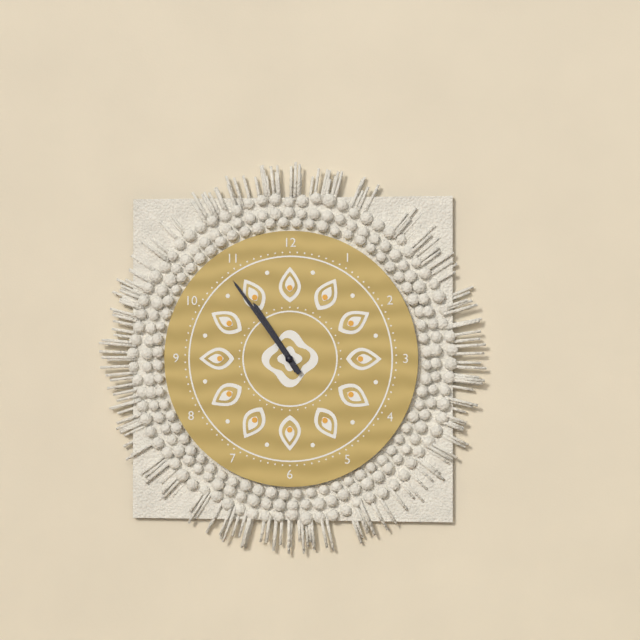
10:54
